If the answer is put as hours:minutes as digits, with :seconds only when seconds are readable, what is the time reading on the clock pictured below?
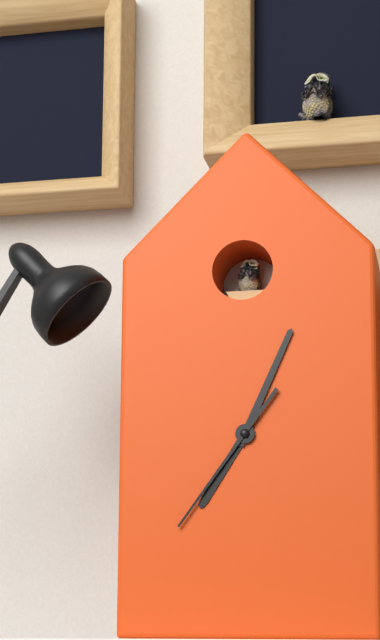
7:04:36
